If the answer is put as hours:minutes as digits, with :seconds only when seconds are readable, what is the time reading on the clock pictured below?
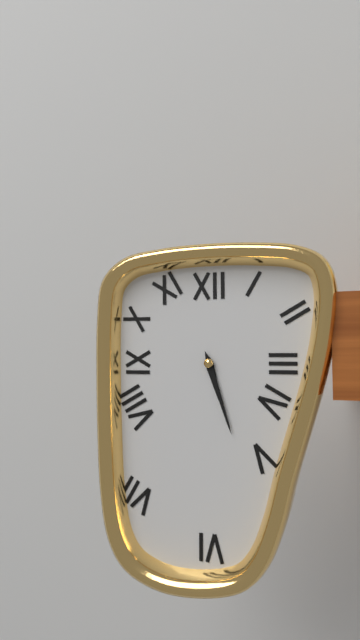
5:27
